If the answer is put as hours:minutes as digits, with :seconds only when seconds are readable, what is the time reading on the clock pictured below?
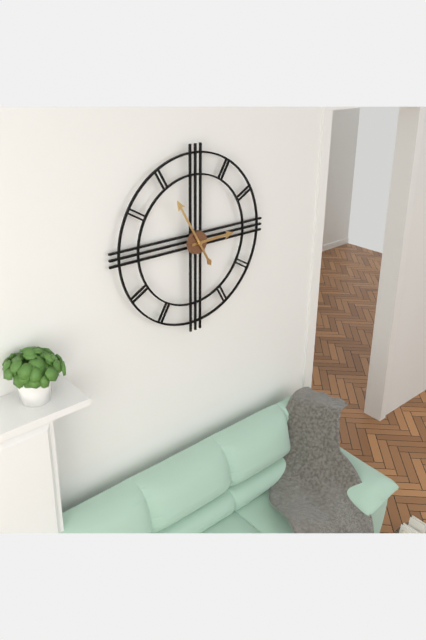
2:55
